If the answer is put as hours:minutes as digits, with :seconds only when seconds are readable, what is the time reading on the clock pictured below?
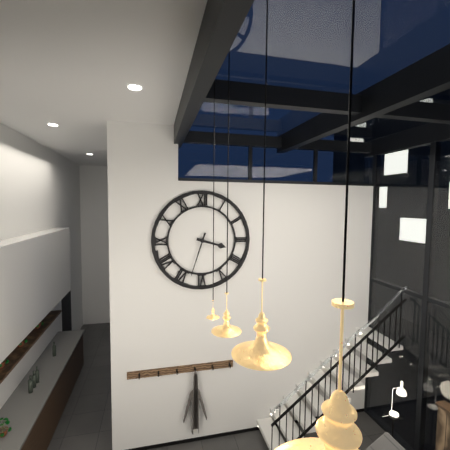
3:33
